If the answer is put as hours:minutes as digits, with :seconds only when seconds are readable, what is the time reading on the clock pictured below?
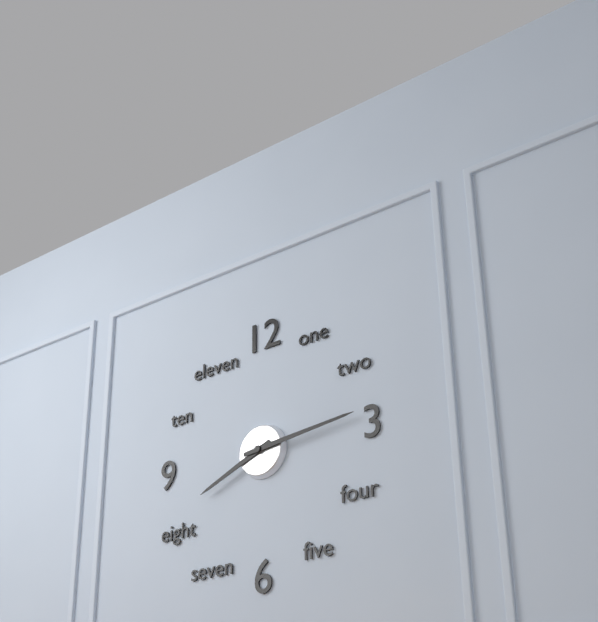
8:14
